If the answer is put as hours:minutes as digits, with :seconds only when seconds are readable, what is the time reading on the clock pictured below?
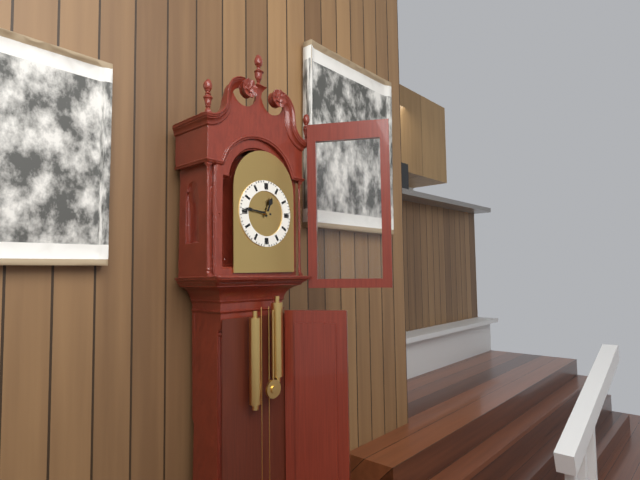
12:46
